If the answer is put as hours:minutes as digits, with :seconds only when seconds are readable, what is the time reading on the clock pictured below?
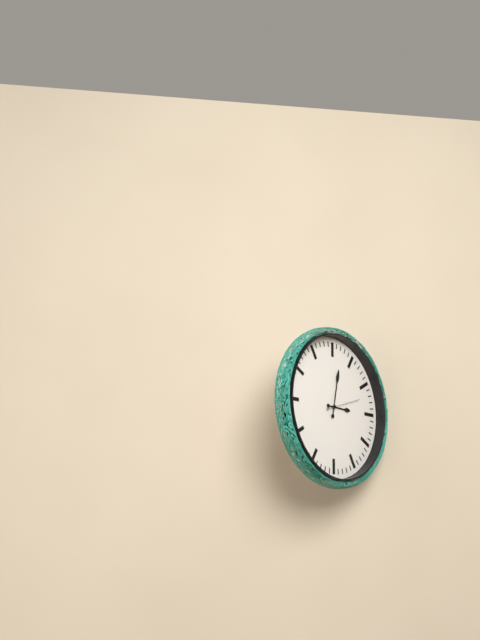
3:02
